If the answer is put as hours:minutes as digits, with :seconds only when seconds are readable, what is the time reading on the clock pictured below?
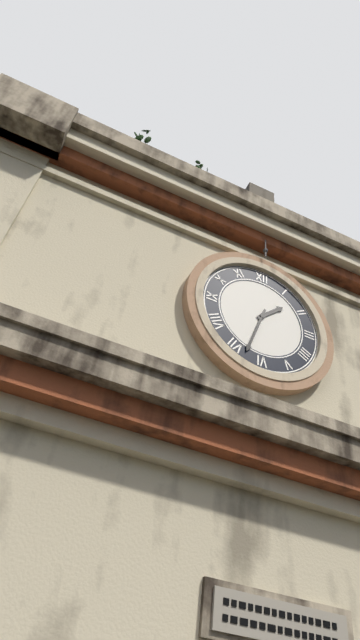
1:33
